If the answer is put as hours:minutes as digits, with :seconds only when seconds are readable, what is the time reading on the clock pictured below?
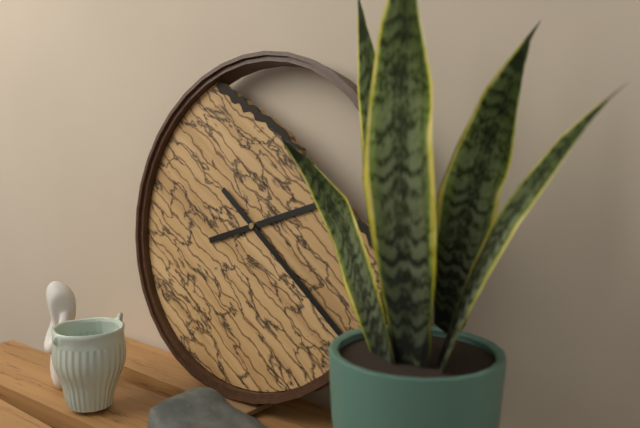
2:21
